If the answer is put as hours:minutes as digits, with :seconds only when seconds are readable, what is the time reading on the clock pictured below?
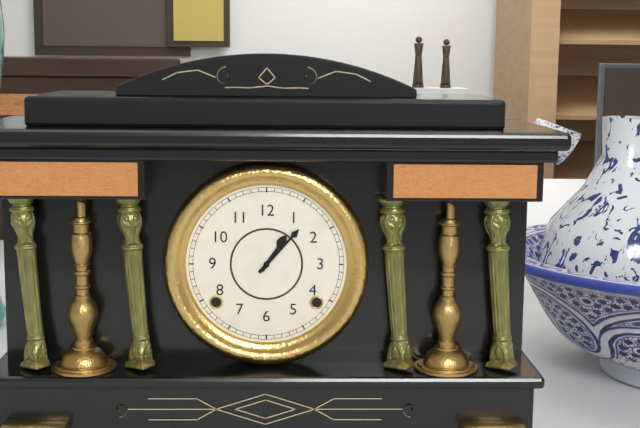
1:07
